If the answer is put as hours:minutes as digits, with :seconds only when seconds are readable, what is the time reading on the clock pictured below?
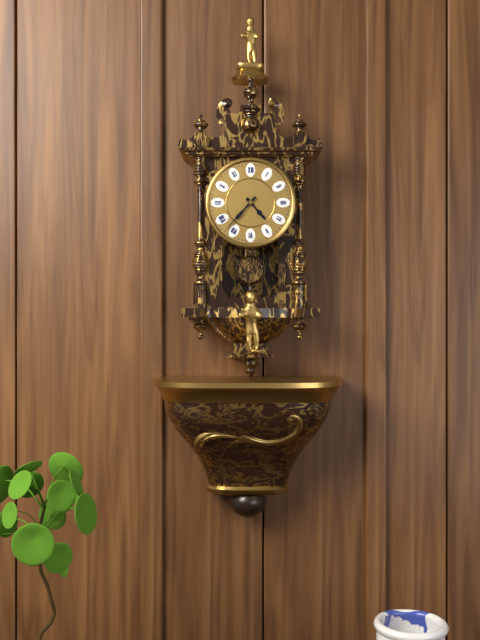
4:37
